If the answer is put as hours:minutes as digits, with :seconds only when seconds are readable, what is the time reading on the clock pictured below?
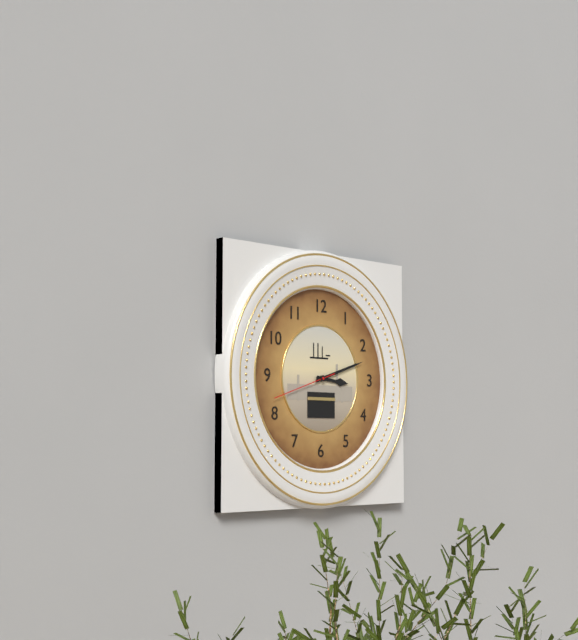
3:12:42
